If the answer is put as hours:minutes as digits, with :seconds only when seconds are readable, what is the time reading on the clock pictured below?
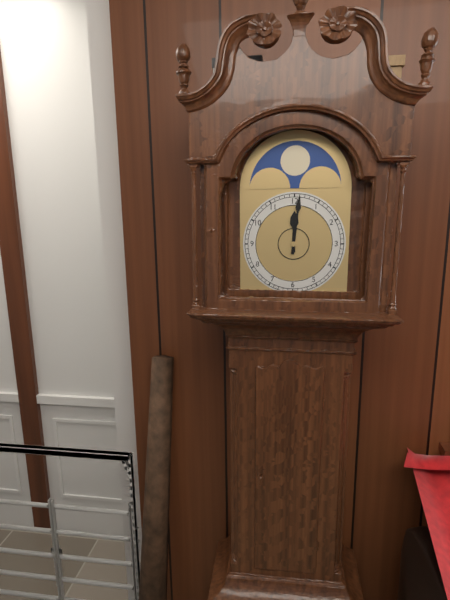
12:01
